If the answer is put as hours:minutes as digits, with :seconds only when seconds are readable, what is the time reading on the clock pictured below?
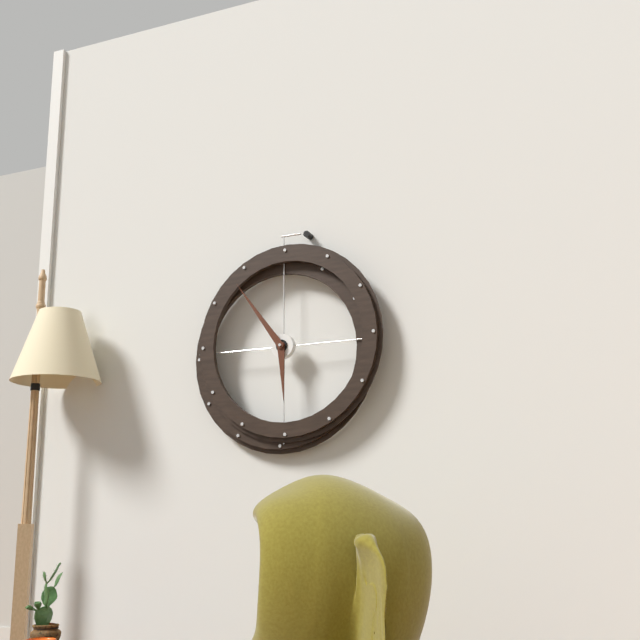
5:54
